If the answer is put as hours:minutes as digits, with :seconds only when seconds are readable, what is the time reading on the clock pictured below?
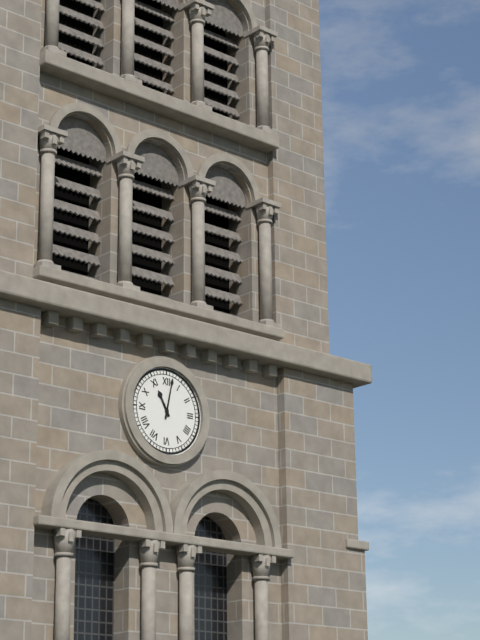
11:02
